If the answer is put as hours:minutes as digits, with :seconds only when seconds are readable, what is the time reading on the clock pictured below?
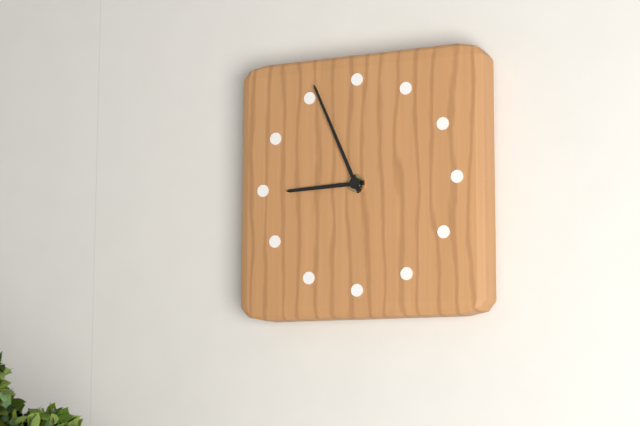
8:56
